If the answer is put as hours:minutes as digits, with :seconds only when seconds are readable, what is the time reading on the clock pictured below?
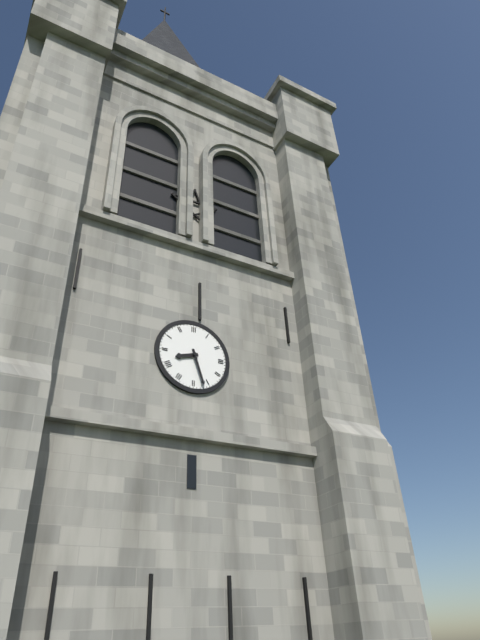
8:27
